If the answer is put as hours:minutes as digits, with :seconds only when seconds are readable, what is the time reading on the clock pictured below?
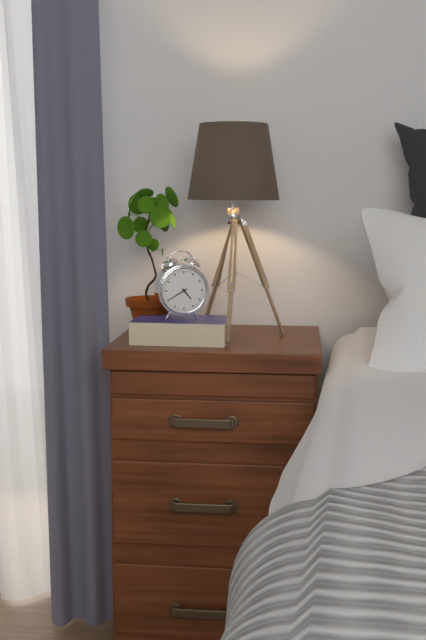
4:40
